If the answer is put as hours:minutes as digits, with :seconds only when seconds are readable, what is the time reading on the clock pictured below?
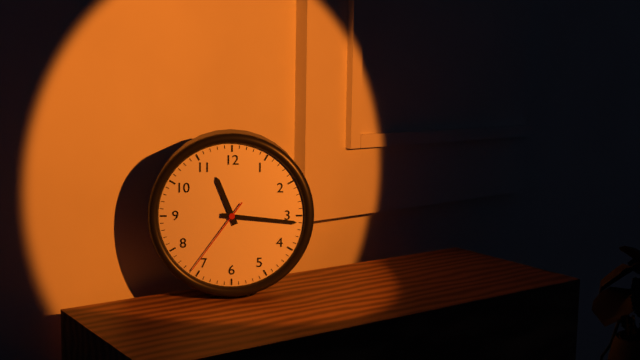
11:16:36
